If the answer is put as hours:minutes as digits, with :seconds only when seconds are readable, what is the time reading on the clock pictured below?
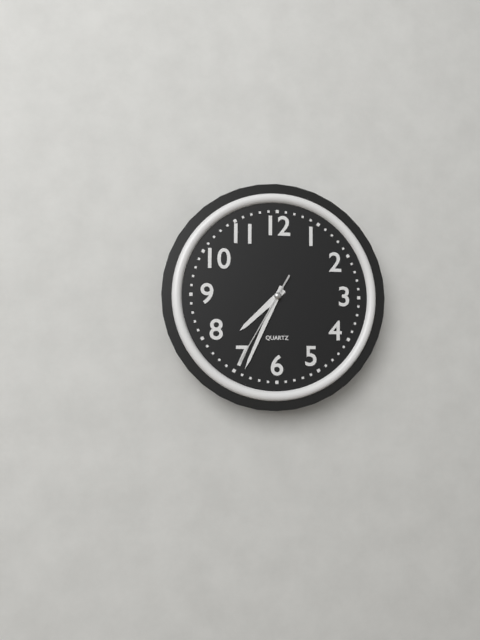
7:34:35
